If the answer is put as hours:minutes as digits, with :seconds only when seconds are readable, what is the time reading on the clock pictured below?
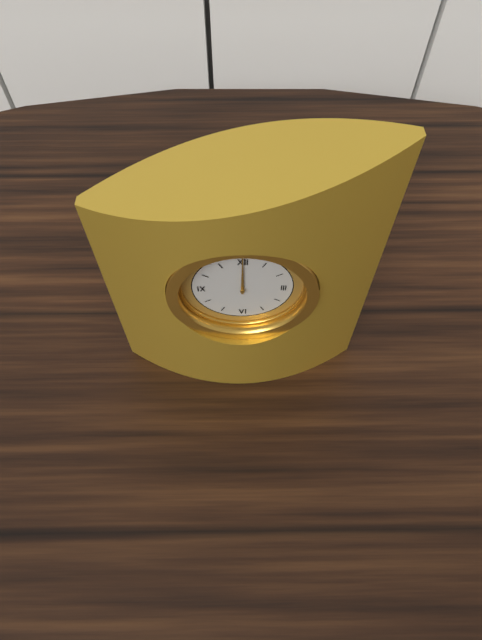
12:00
